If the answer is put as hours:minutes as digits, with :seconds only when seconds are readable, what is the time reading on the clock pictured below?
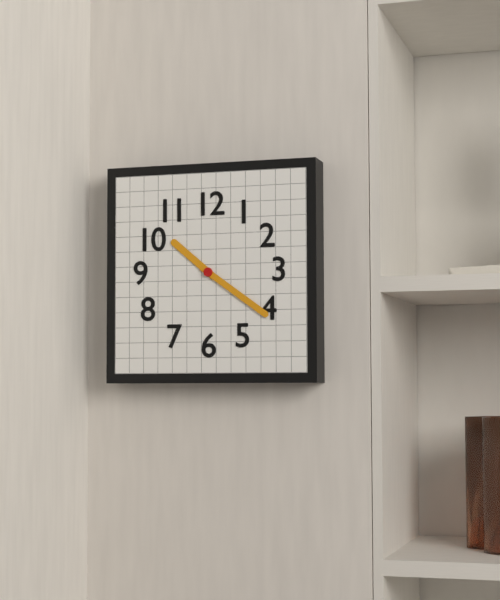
10:21
